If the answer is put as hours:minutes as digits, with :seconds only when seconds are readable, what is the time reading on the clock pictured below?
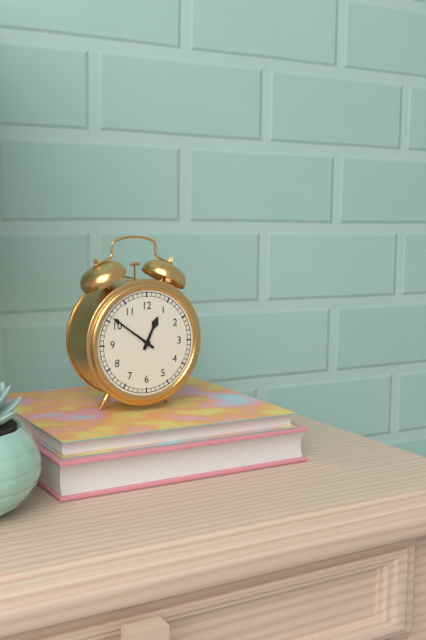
12:51
